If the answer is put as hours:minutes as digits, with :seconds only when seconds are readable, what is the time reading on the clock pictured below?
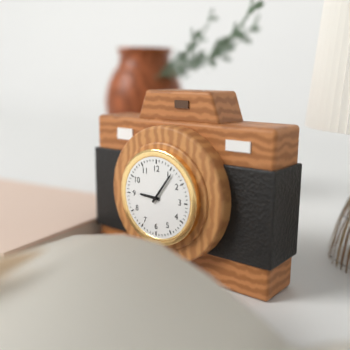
9:06
